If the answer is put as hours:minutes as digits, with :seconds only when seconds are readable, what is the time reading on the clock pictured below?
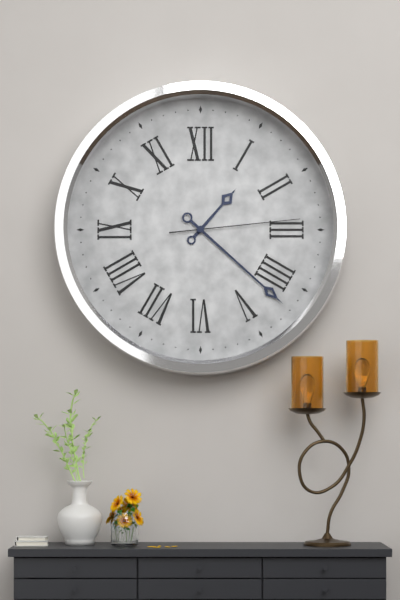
1:22:14
